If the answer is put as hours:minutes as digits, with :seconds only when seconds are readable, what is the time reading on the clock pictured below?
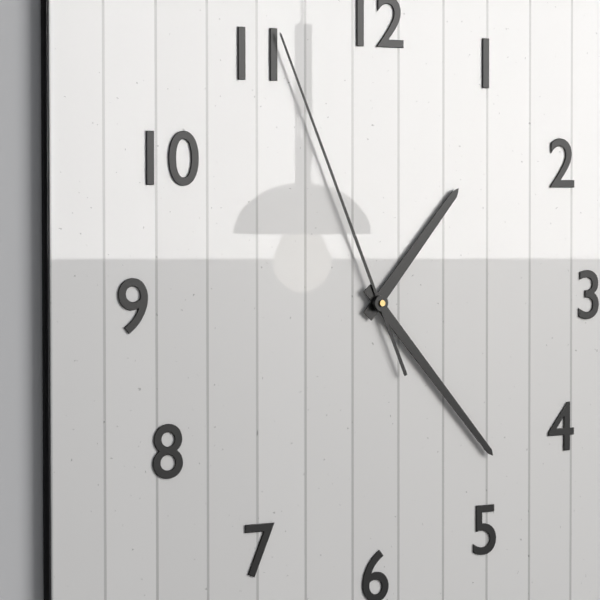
1:23:56
